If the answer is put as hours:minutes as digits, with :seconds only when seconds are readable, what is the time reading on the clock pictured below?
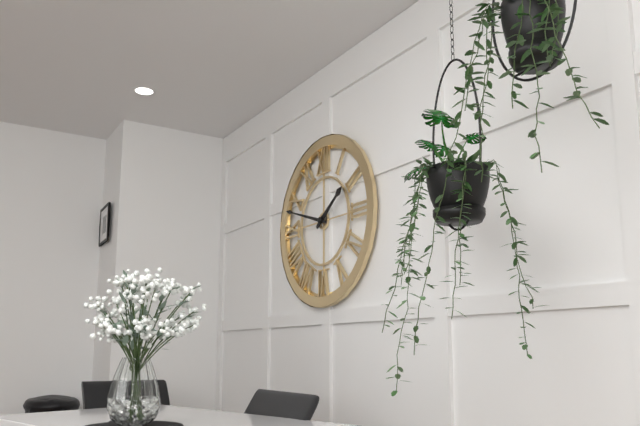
1:48
